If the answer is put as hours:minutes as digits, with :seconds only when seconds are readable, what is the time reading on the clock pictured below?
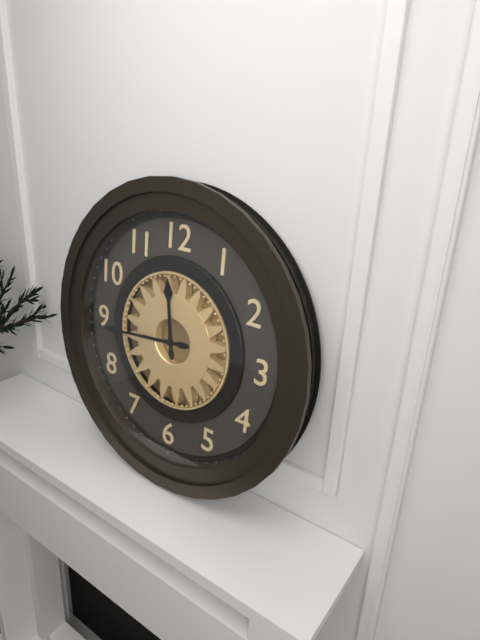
11:44
